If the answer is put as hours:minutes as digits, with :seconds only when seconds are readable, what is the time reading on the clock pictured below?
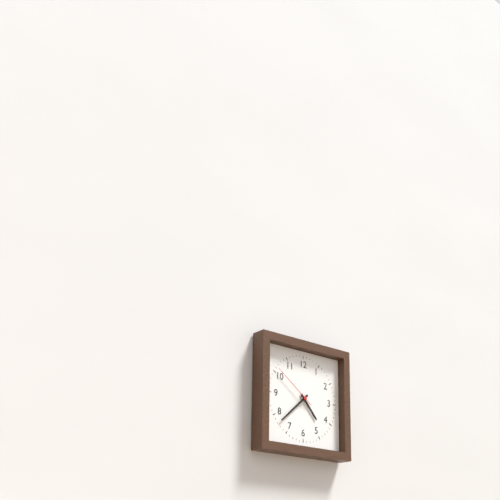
4:38
